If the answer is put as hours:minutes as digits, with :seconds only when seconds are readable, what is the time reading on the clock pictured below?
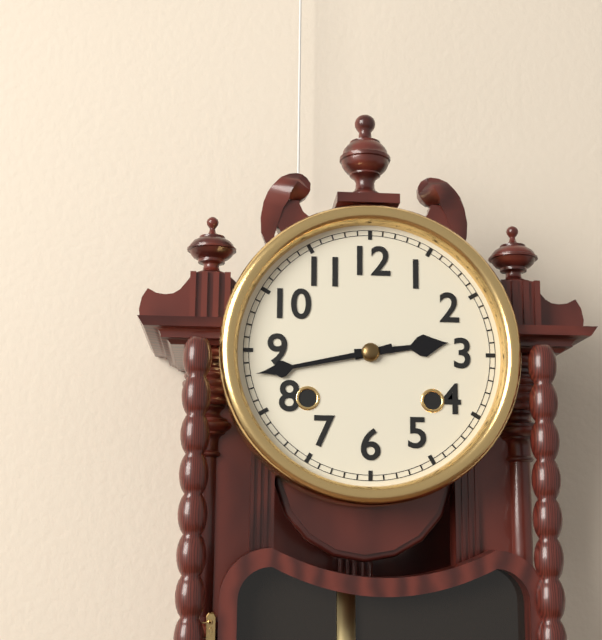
2:43
